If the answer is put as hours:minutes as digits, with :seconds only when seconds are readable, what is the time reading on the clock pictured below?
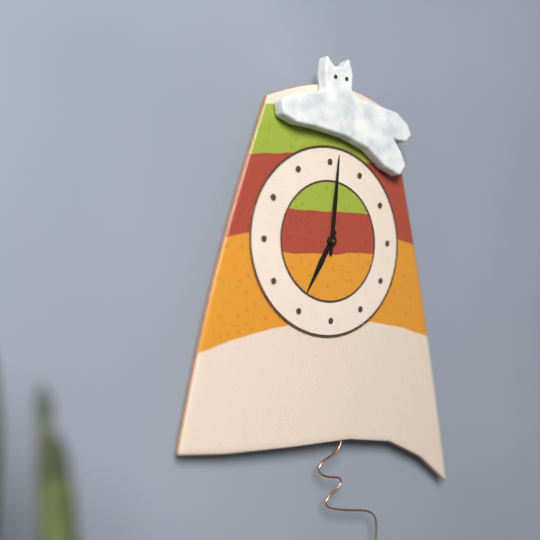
7:01
